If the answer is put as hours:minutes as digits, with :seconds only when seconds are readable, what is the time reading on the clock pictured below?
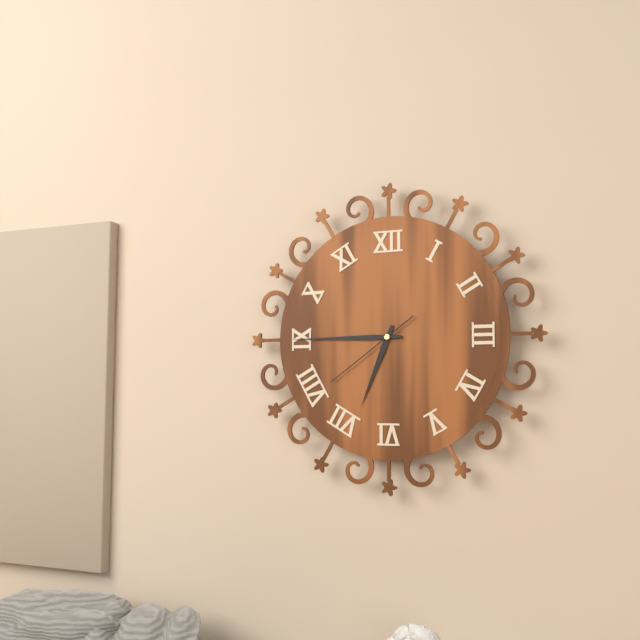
6:45:39
